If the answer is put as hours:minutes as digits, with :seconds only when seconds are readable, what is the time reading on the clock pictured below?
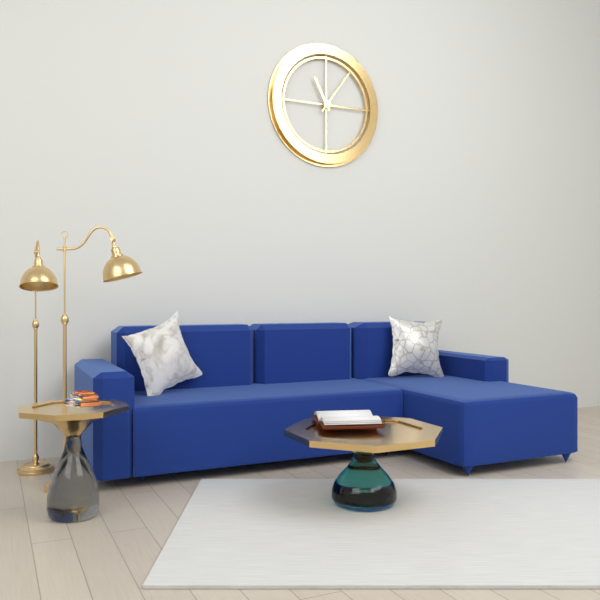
11:06
